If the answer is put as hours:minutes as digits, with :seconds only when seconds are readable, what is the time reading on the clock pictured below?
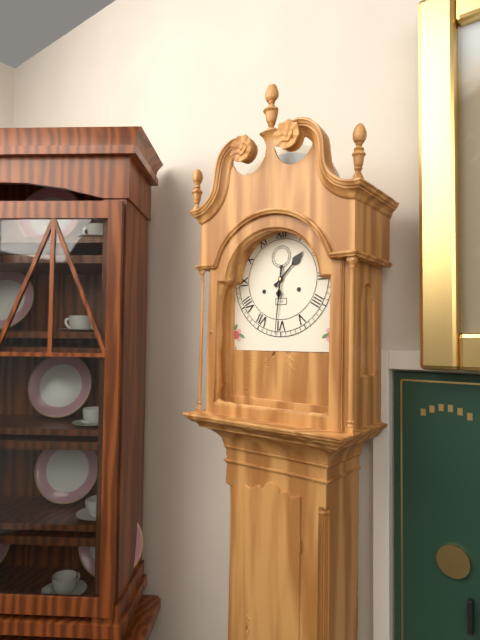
1:31
